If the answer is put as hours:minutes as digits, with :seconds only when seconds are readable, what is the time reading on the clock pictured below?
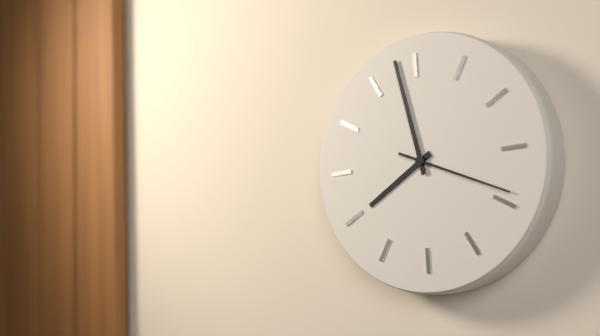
7:58:19
